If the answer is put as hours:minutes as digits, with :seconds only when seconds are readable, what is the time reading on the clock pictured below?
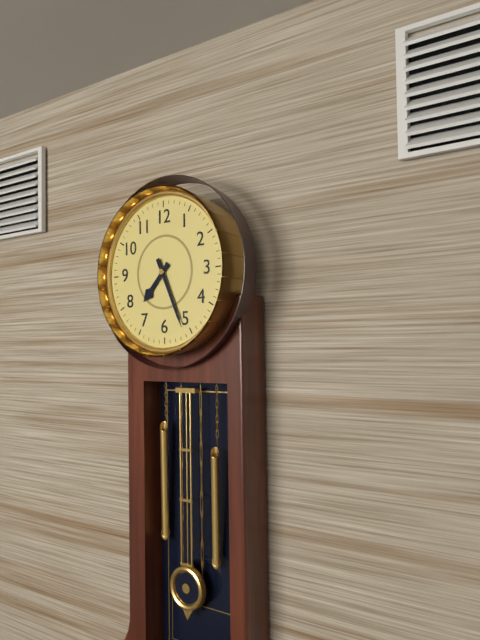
7:26
